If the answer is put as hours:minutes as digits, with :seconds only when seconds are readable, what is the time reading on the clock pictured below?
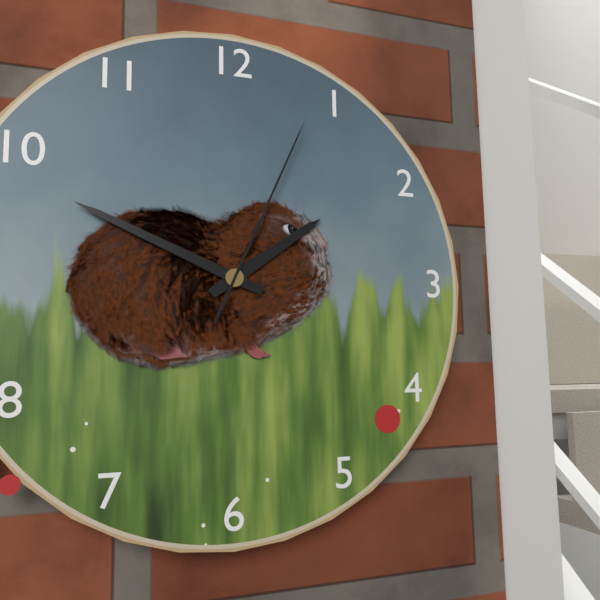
1:49:04
